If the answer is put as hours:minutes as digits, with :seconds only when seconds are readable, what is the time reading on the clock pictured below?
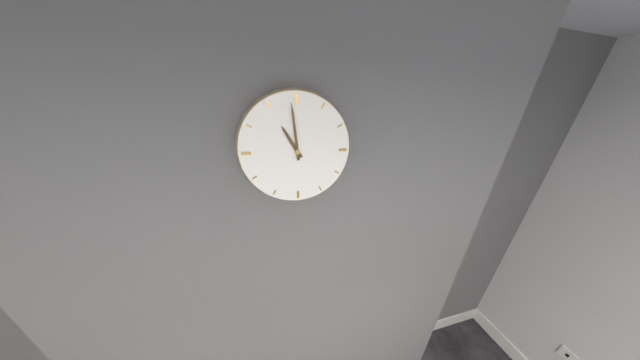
10:59
